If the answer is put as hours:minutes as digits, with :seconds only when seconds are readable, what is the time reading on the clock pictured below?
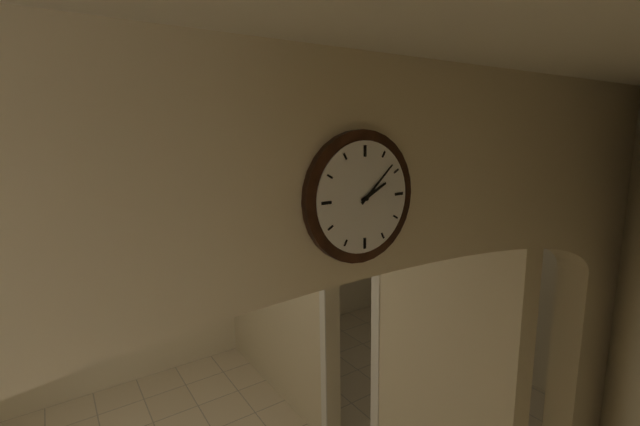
2:08
